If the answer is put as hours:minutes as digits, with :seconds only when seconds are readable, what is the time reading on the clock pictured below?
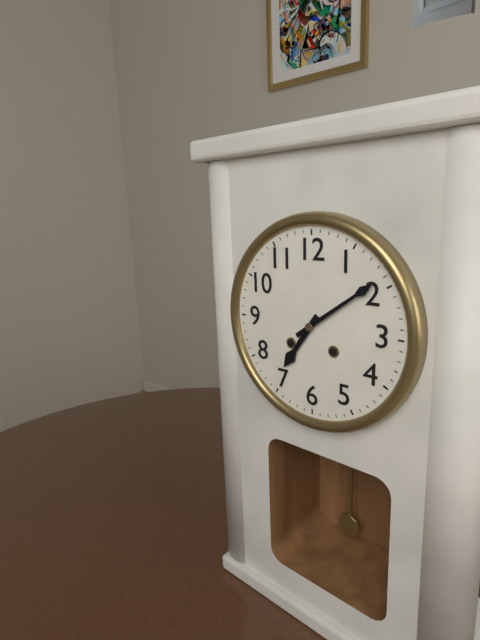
7:09
